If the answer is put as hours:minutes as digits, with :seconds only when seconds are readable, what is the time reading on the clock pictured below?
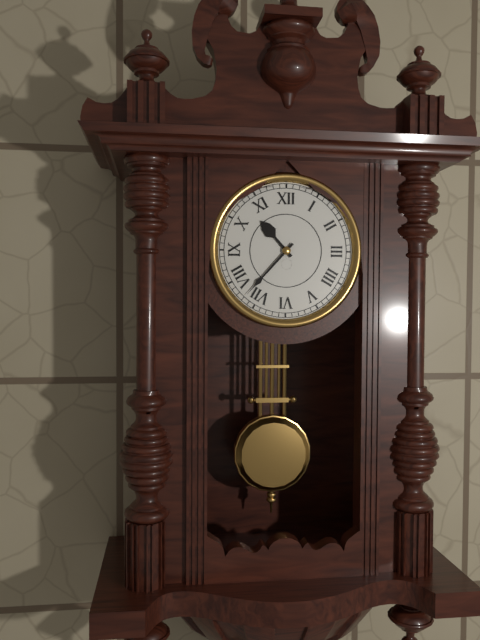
10:37
